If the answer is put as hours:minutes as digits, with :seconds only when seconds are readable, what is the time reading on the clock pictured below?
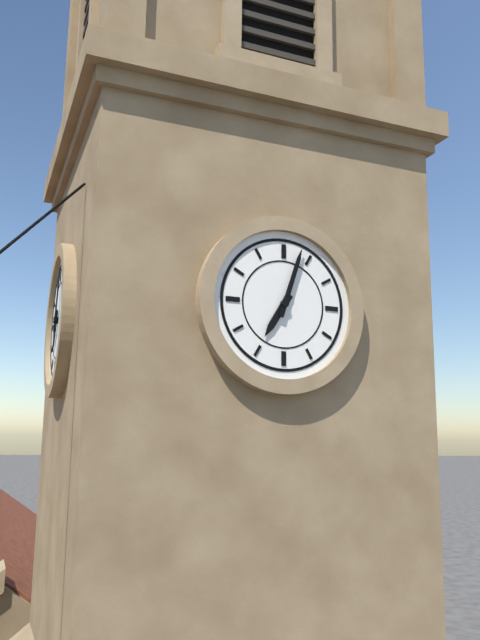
7:03
